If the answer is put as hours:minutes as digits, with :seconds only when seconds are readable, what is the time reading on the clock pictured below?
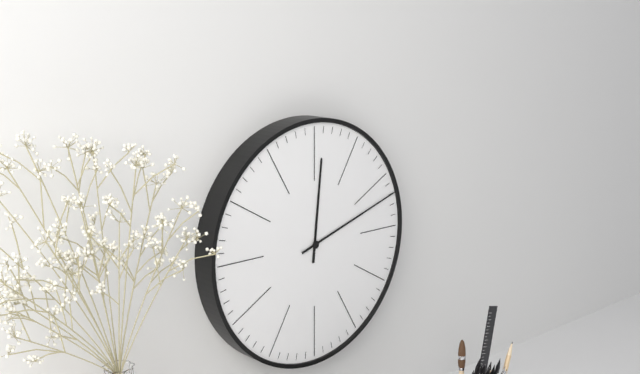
12:12
